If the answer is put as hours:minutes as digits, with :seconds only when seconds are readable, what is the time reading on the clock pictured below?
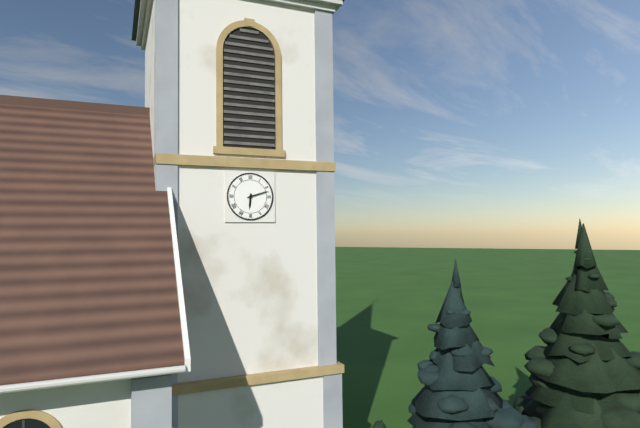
6:12
